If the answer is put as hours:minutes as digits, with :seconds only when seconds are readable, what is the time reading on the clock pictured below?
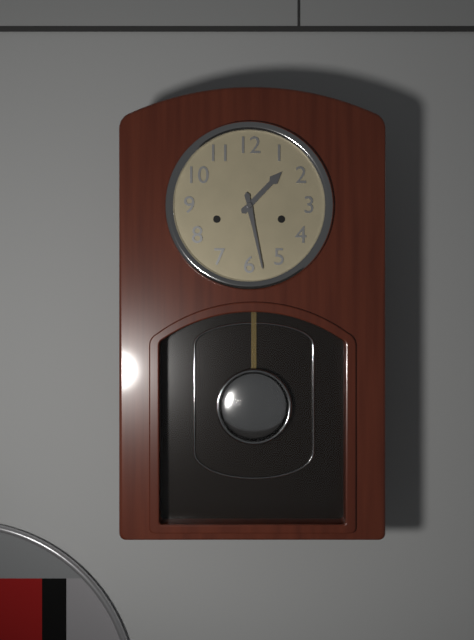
1:28
